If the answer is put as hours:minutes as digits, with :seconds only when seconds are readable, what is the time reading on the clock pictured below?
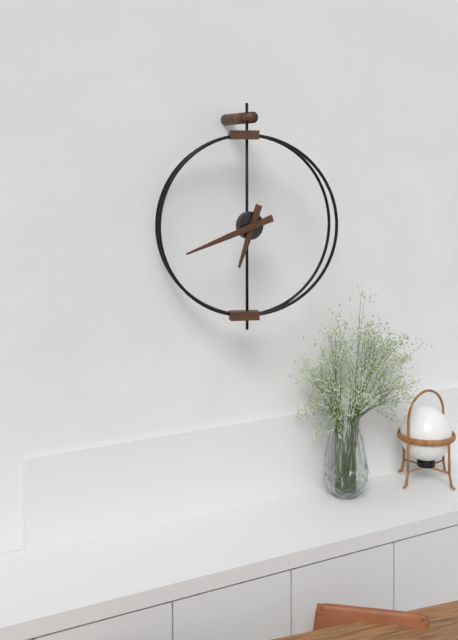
6:42
